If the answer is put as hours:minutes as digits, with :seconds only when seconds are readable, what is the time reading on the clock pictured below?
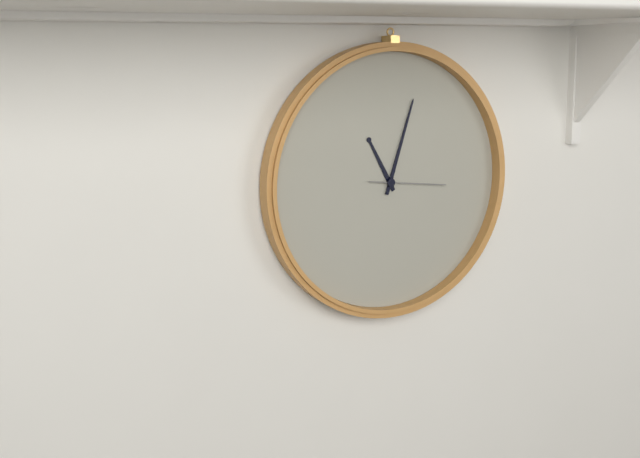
11:03:16
